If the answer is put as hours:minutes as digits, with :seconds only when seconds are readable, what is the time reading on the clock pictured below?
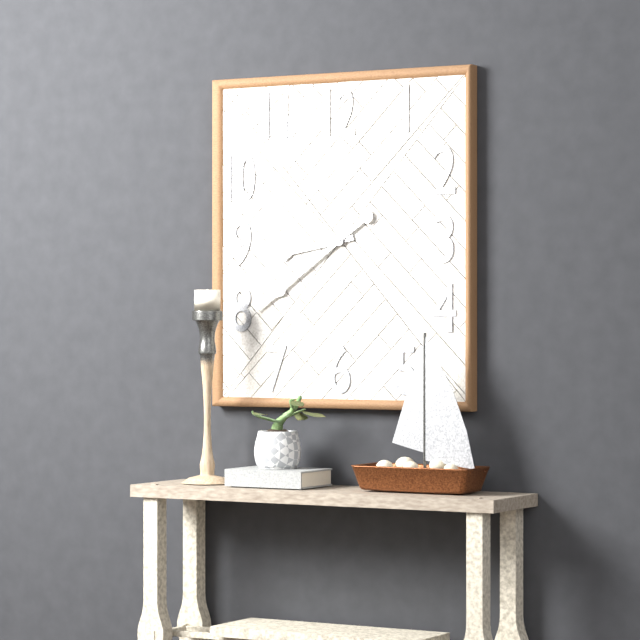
8:39
